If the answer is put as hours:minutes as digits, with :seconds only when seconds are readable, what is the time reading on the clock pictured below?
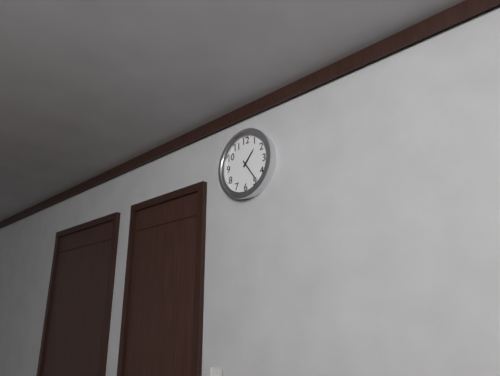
1:24
